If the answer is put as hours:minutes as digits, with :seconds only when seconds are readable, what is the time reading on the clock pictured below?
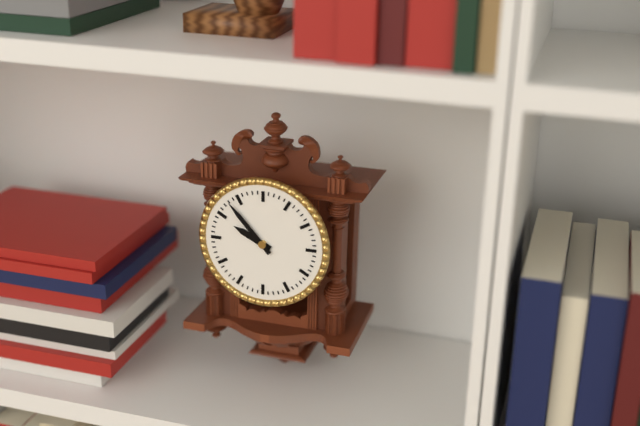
9:53
